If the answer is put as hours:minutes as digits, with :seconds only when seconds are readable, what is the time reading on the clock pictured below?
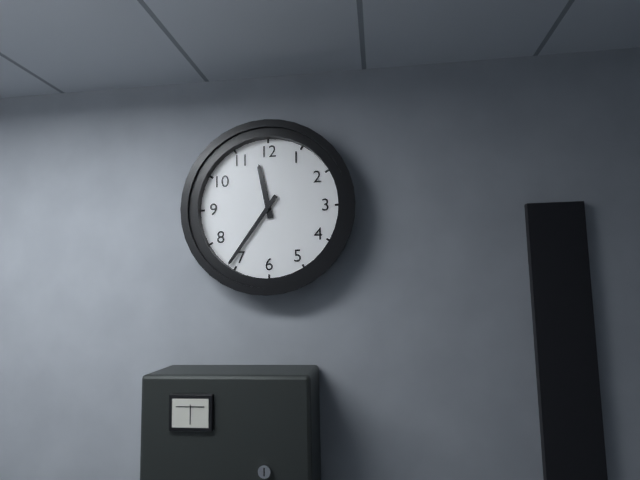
11:36
